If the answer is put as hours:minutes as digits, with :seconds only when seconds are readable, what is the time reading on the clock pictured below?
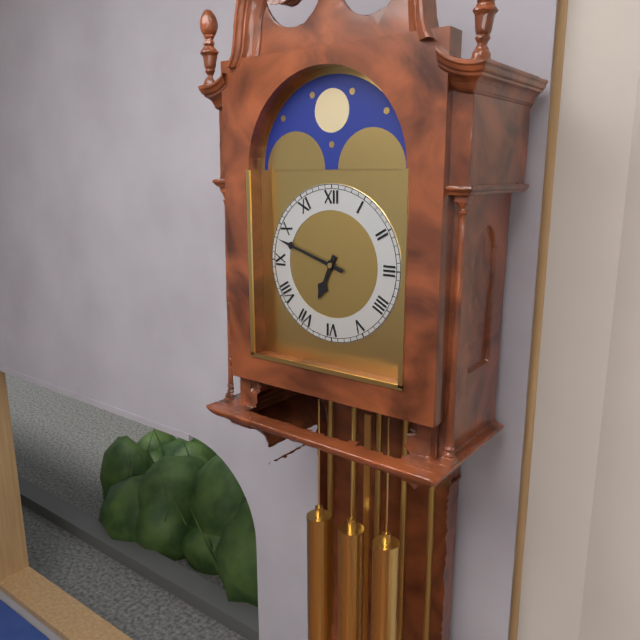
6:48
